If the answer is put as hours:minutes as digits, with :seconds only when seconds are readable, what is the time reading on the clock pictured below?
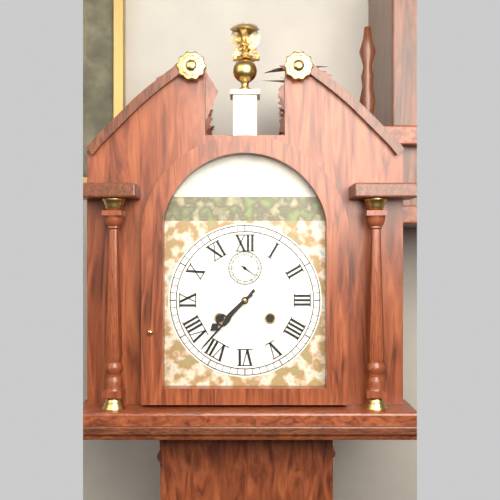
7:37
